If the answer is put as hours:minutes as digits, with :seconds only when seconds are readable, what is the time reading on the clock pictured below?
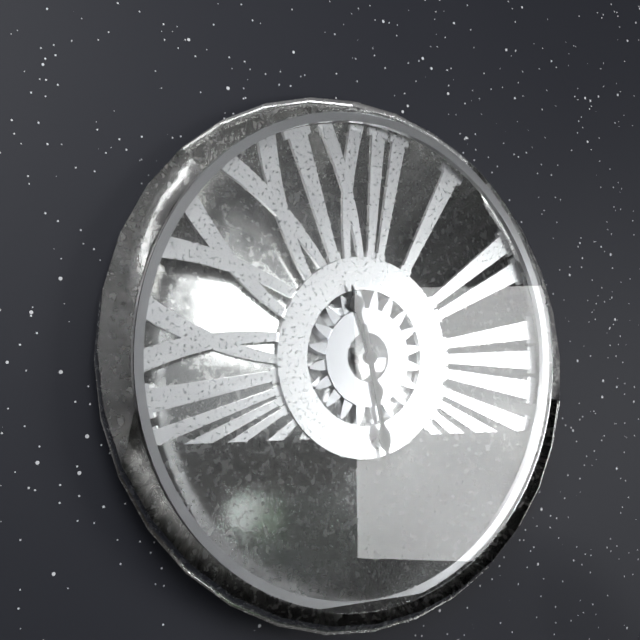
11:28
